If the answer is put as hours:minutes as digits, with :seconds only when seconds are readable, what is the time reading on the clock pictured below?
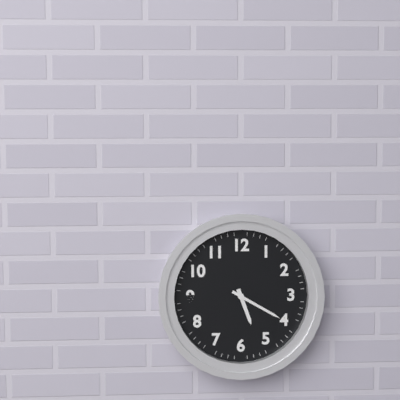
5:20
